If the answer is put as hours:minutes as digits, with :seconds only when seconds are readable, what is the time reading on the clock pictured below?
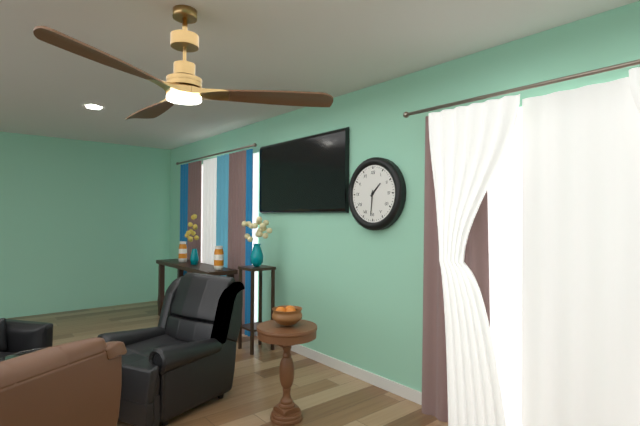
1:31
